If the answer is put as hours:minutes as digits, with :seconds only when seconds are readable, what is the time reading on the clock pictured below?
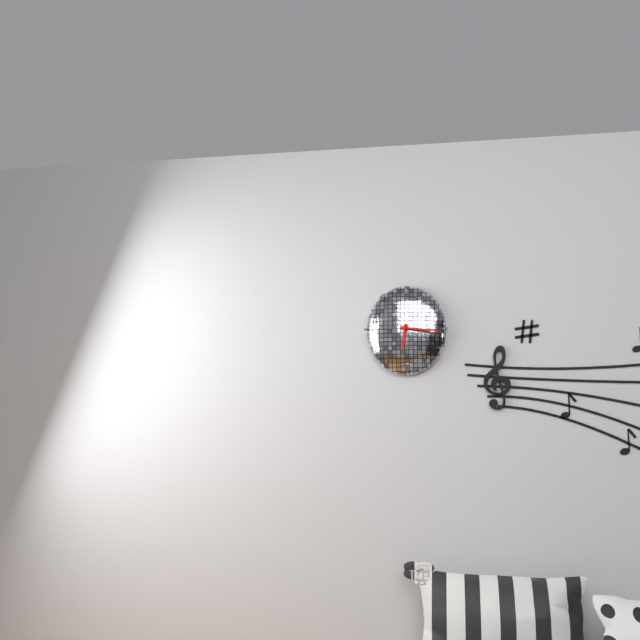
6:16
